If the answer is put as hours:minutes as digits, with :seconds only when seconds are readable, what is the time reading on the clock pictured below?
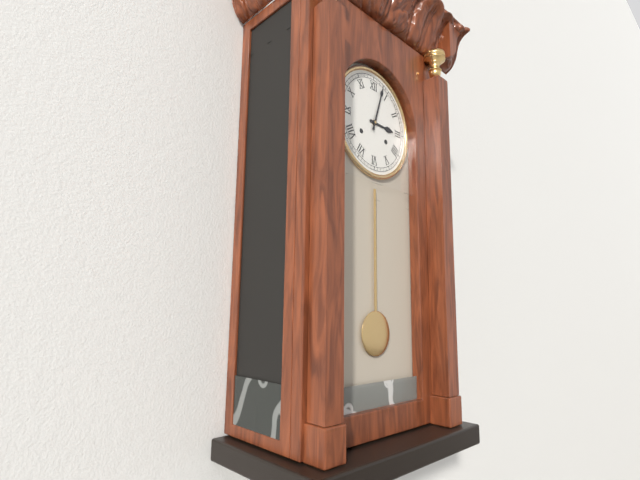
3:03
